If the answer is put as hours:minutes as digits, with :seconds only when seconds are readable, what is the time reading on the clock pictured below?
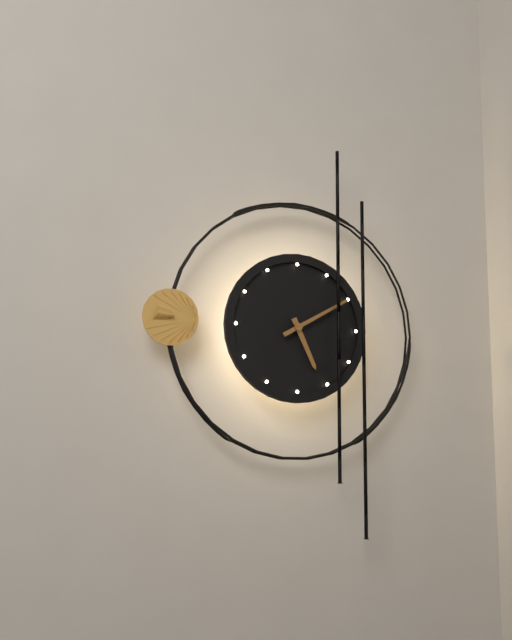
5:10
